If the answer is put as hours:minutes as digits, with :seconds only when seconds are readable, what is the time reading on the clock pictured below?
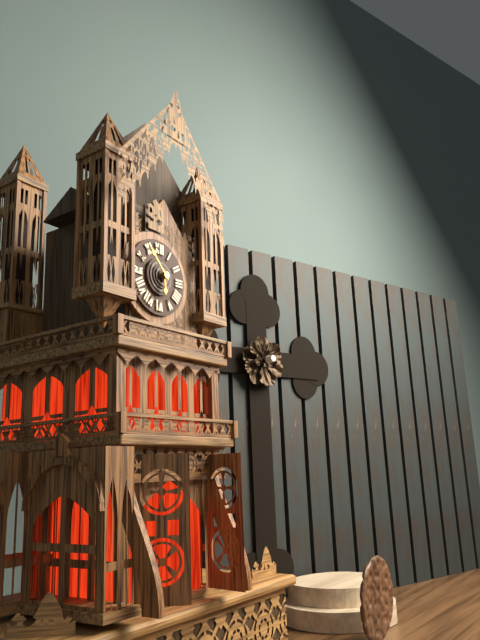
5:53
